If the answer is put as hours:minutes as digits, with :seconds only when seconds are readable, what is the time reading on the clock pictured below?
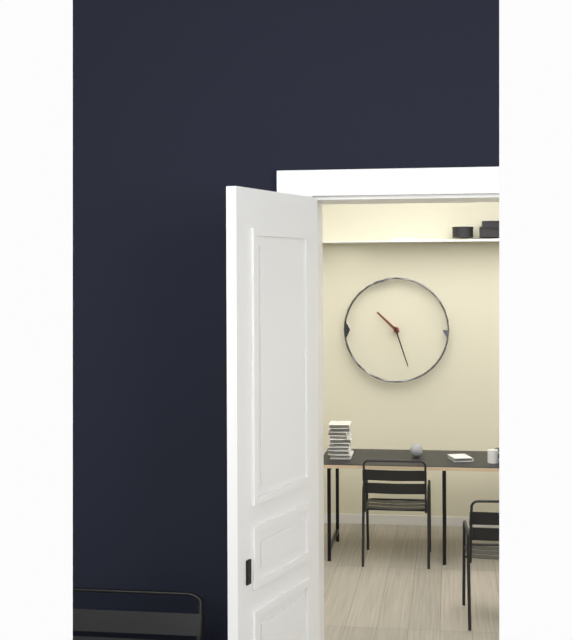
10:27
